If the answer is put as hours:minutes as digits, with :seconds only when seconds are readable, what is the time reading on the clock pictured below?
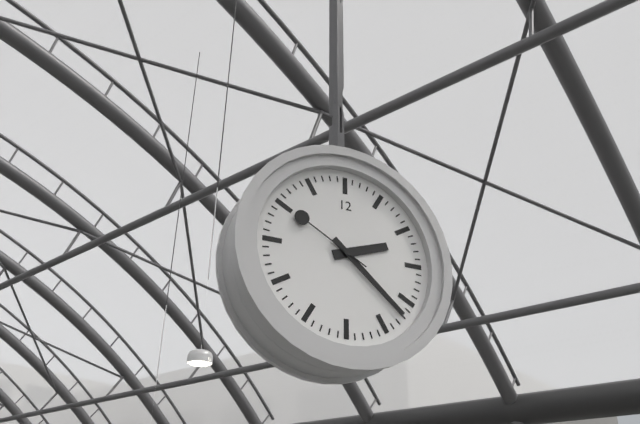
2:22:50
